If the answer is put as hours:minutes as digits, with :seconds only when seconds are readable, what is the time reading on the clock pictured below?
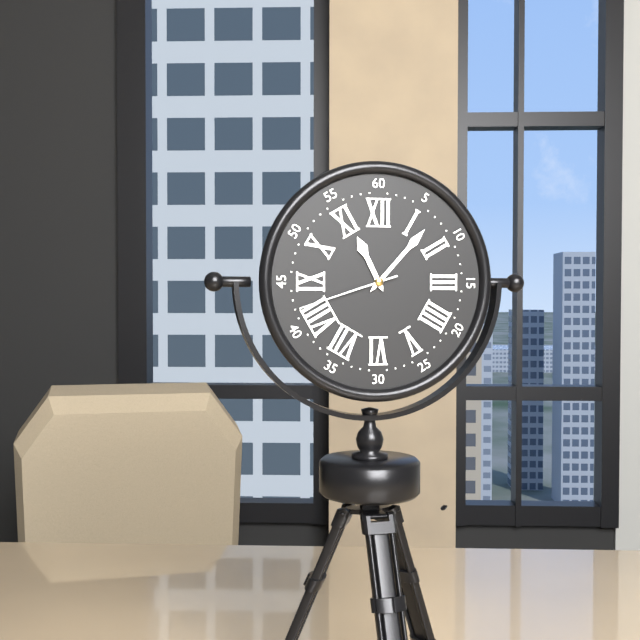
11:07:42
